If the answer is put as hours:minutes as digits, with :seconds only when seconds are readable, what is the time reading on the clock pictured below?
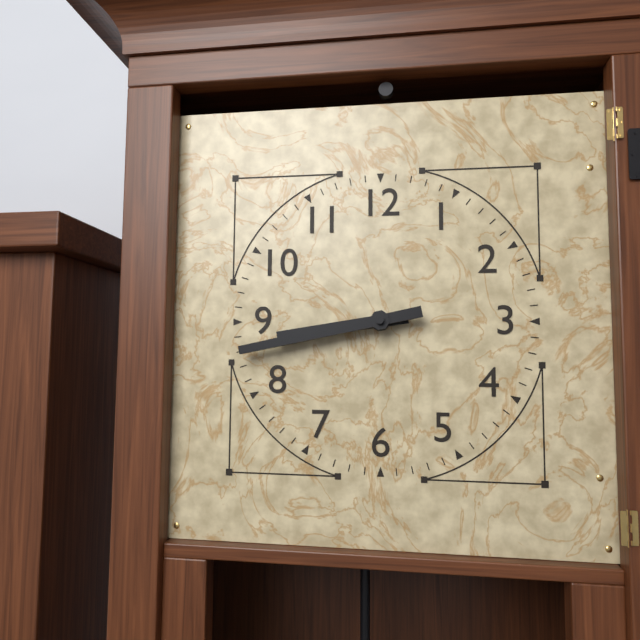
8:43
